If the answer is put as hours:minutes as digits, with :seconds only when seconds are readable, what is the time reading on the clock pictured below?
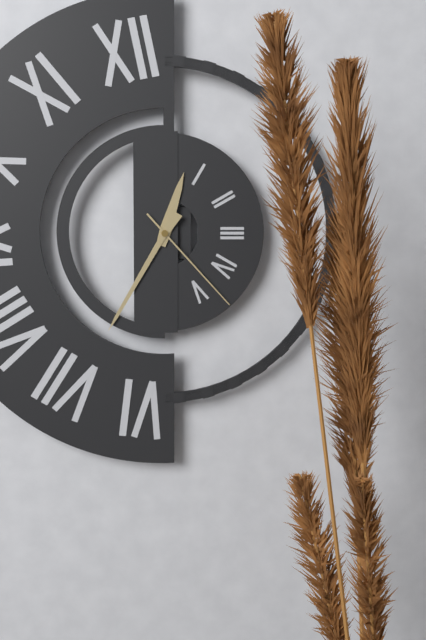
12:35:23
